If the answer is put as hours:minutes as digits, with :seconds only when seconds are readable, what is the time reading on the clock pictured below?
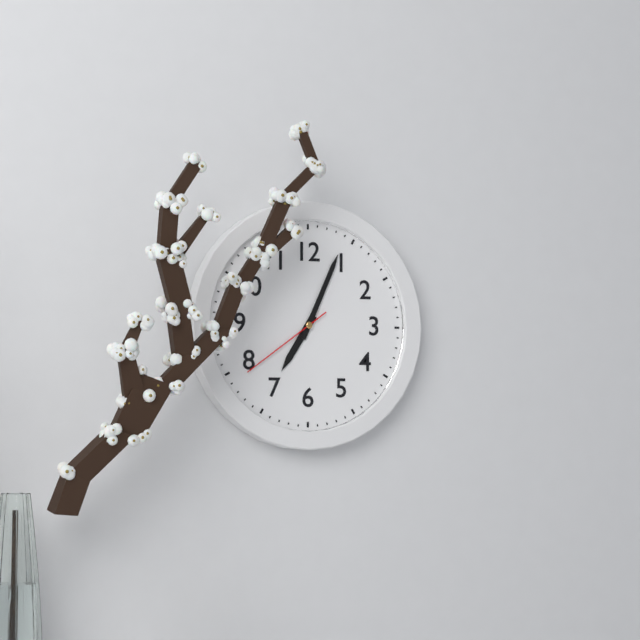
7:04:39
